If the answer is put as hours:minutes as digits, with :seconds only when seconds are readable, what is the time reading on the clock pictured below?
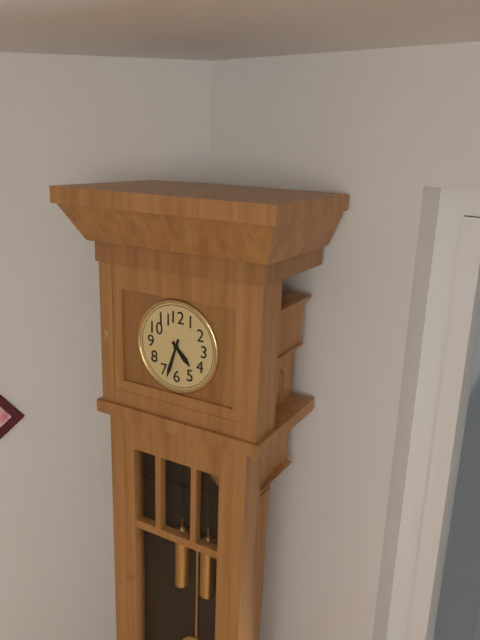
4:33
